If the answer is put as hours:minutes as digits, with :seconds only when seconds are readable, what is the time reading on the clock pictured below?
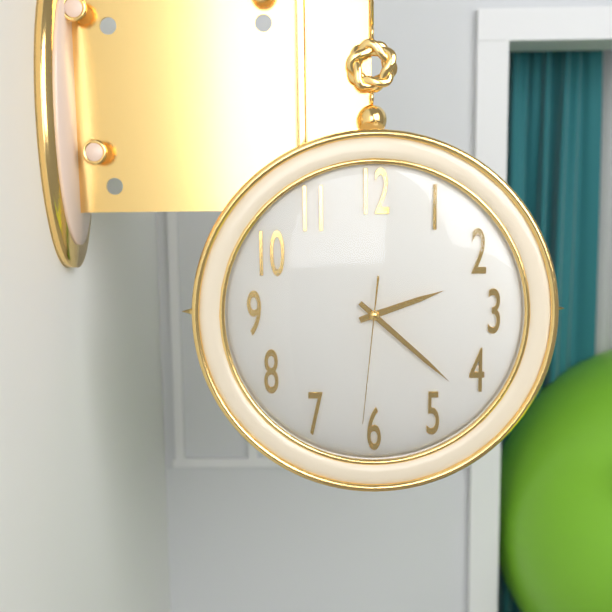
2:22:31
